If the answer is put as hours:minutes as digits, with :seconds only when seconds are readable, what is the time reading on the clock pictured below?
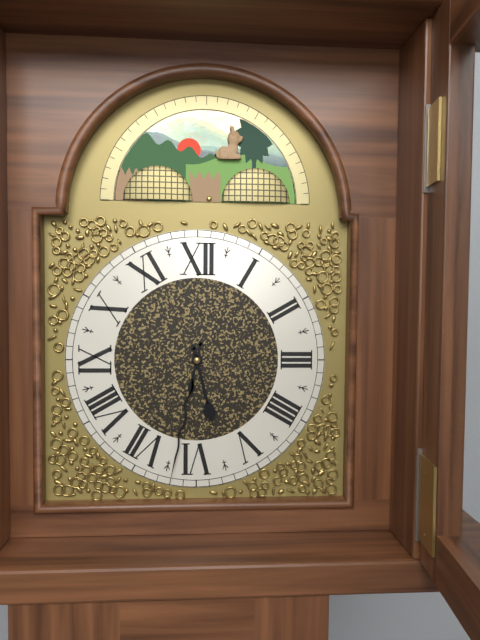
5:32
